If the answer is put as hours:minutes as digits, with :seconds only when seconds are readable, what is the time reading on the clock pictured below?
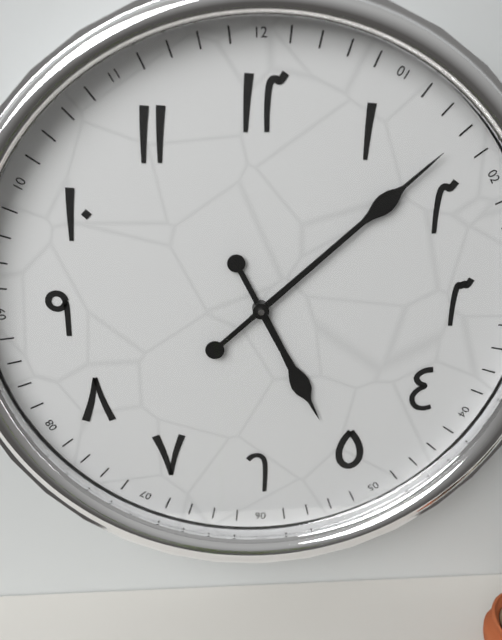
5:08
